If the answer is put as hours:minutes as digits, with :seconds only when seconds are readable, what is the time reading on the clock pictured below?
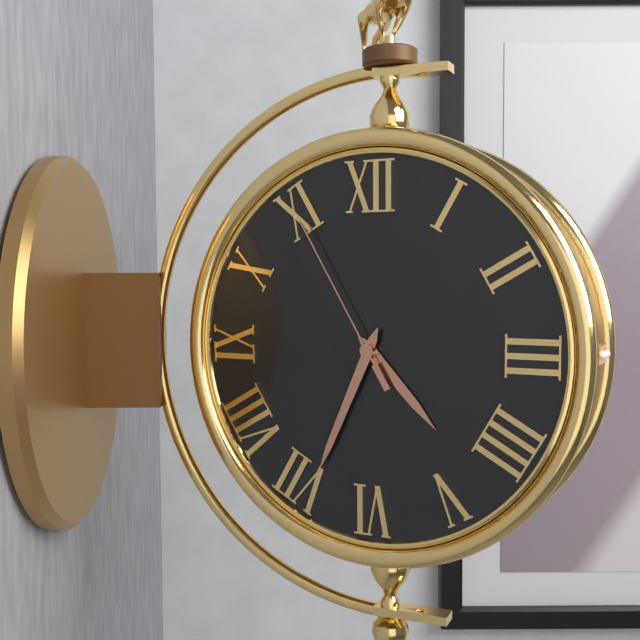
4:34:55
